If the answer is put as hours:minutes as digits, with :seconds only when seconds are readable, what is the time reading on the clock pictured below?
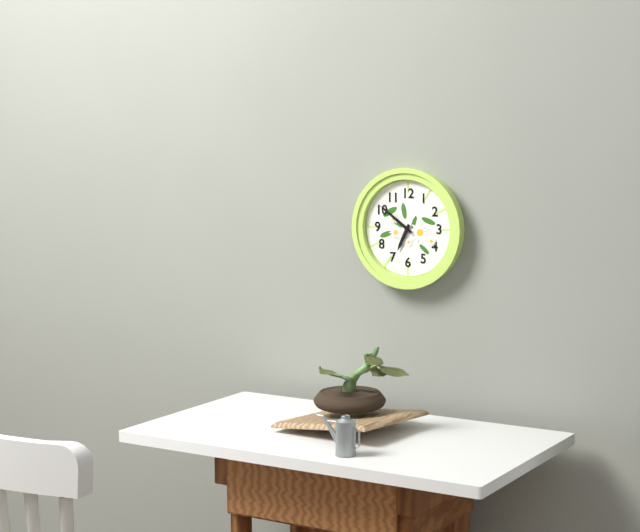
6:51
